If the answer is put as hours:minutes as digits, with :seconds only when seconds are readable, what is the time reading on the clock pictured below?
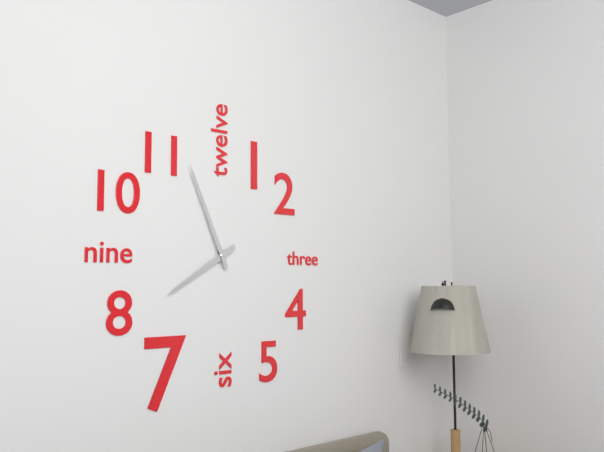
7:56
